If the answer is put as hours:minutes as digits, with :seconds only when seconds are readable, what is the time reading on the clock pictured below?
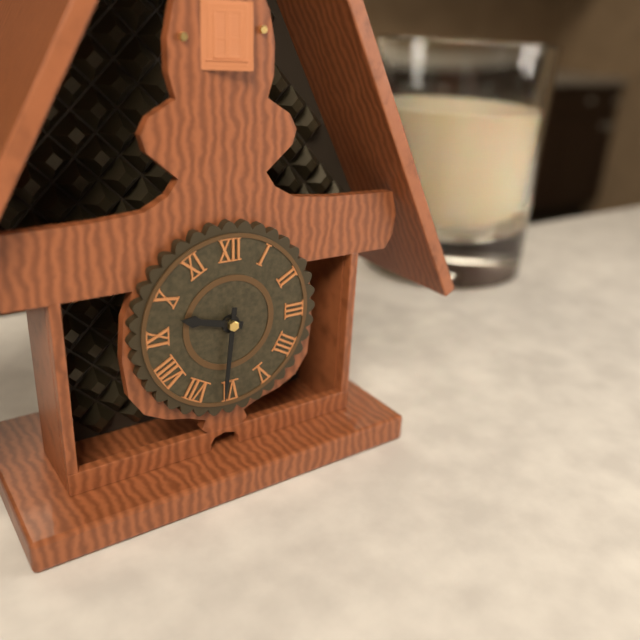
9:31
